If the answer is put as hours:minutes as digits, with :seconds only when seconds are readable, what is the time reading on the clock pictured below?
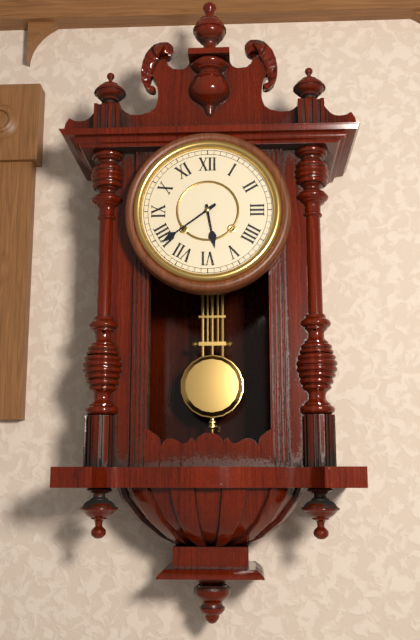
5:39
